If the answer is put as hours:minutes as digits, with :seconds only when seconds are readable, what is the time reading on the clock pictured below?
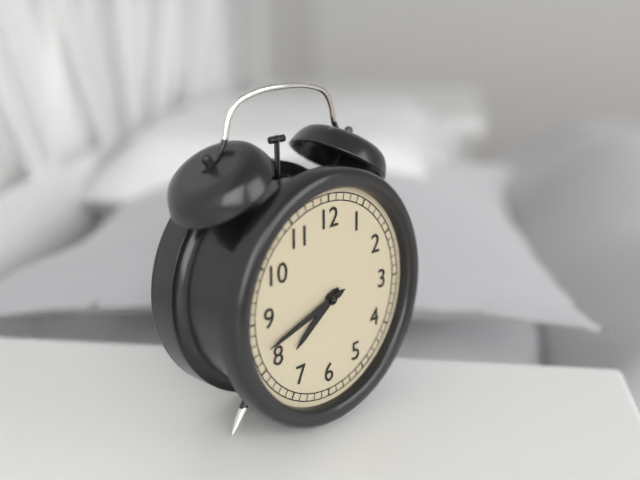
7:42
